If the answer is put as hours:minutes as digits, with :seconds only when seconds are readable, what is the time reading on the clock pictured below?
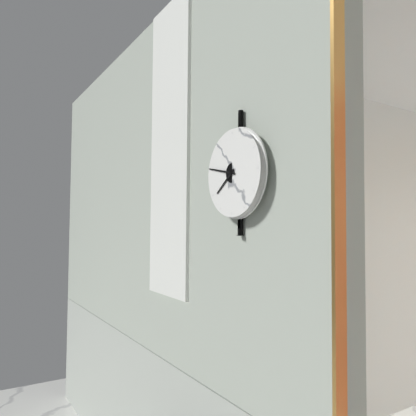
7:47
